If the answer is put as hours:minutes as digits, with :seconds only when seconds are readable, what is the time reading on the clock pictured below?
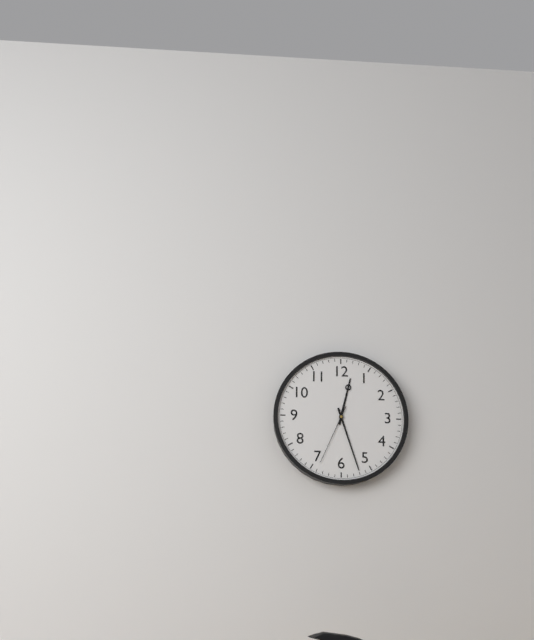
12:27:34
